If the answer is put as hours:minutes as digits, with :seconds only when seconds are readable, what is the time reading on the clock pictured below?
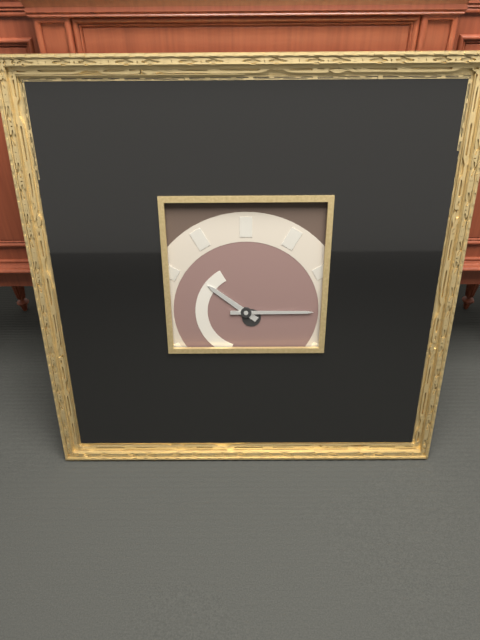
10:15
